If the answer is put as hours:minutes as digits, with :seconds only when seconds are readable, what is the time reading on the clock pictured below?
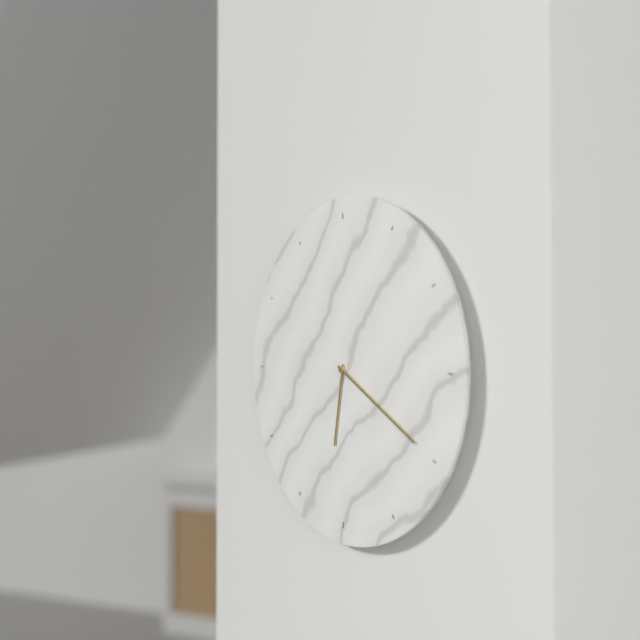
6:20
